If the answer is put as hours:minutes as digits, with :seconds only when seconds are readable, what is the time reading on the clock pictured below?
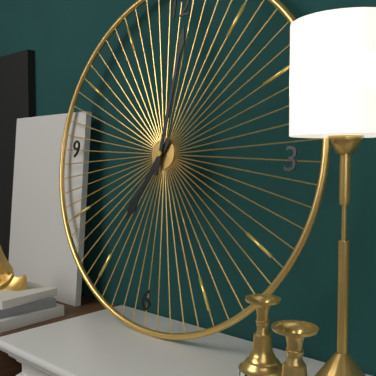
7:01
